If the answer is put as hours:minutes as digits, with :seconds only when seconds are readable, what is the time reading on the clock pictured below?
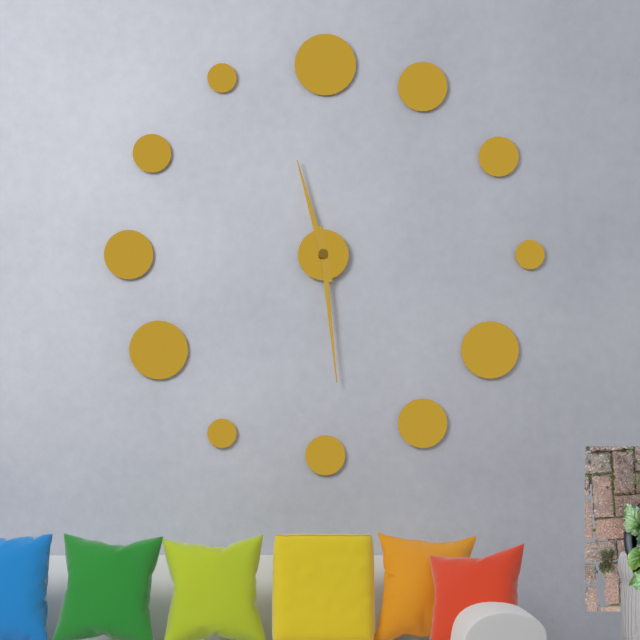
11:29
